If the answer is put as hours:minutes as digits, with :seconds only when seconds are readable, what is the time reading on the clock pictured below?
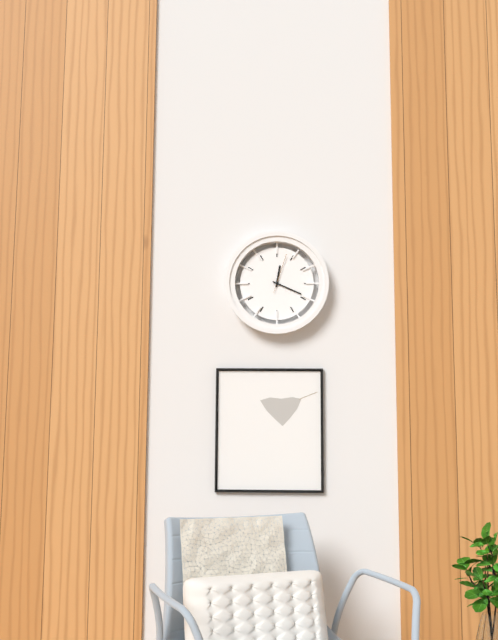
12:19
